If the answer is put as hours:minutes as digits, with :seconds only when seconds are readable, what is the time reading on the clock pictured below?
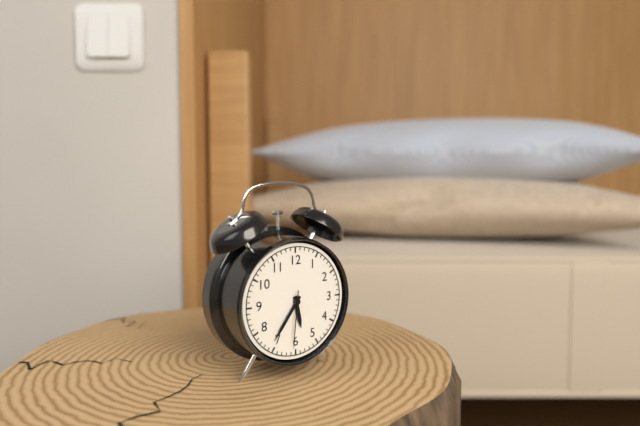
5:36:31
